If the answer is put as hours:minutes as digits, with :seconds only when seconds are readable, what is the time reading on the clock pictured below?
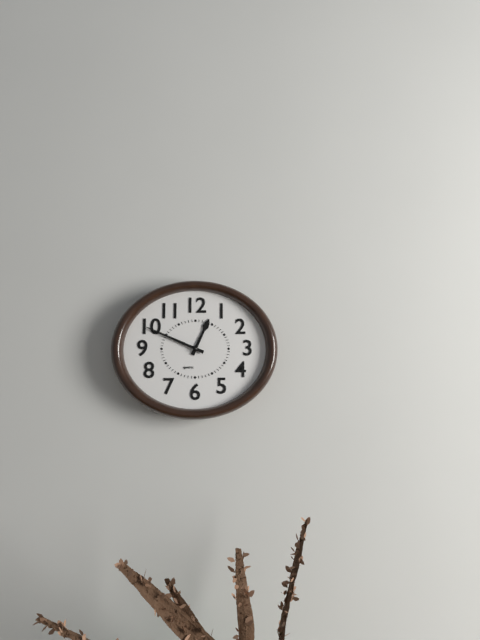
12:49
